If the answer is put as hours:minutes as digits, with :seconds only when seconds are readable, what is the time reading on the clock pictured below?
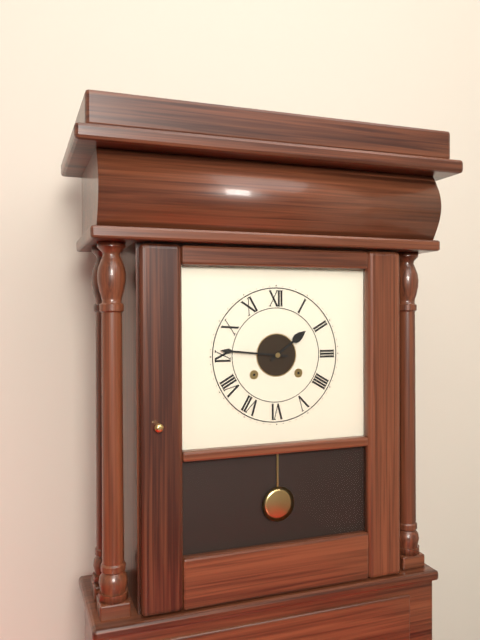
1:46
